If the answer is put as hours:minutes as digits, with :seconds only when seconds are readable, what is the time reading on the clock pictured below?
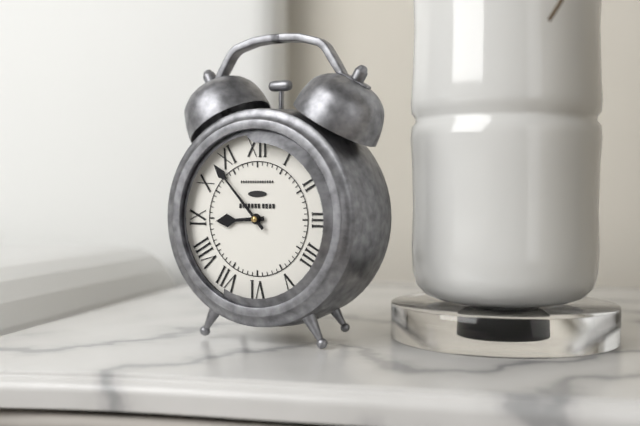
8:53
